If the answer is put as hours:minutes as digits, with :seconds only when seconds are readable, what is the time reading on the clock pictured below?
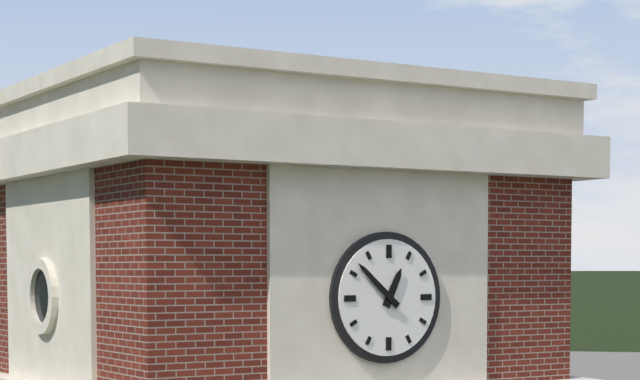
12:52
